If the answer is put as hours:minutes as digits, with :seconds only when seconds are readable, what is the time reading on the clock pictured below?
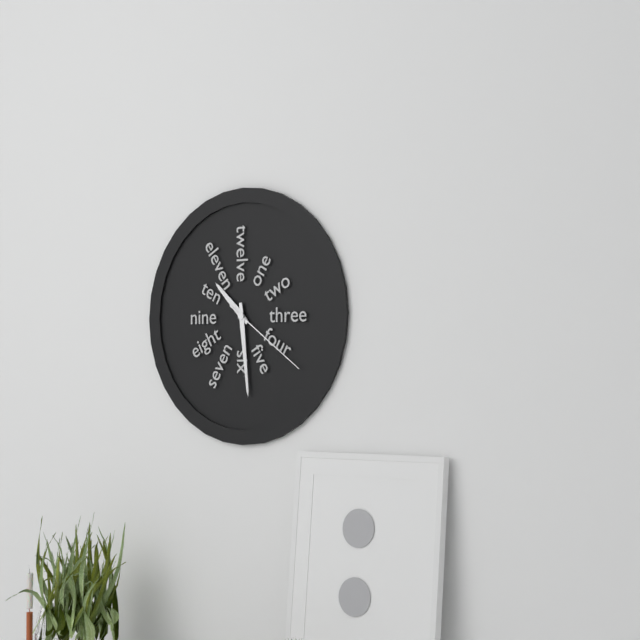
10:29:21
